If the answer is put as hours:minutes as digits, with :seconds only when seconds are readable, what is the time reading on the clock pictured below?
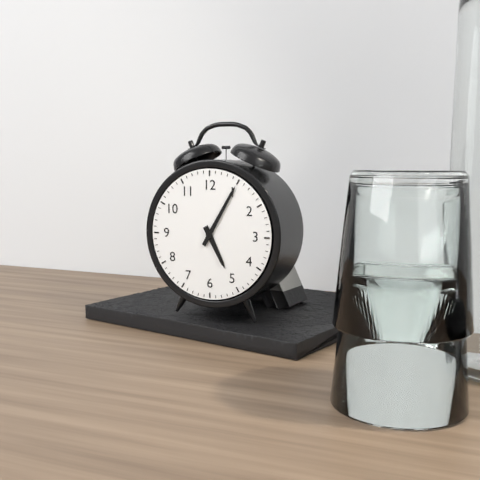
5:05
